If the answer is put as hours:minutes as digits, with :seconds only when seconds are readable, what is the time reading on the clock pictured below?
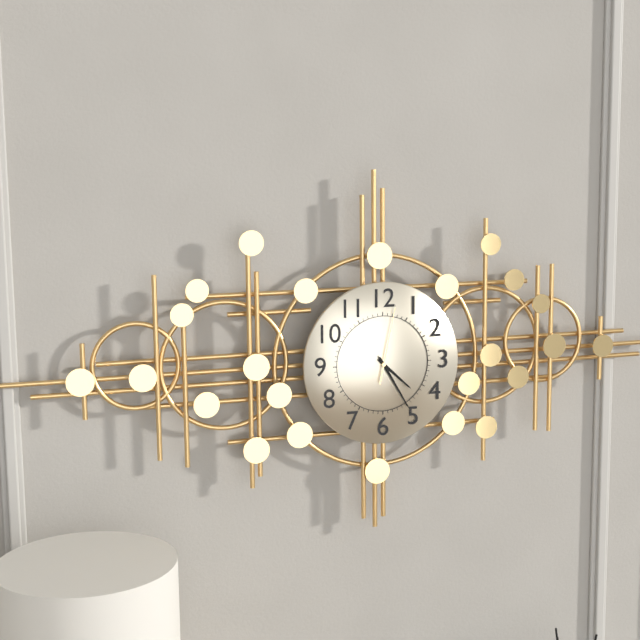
4:25:02
